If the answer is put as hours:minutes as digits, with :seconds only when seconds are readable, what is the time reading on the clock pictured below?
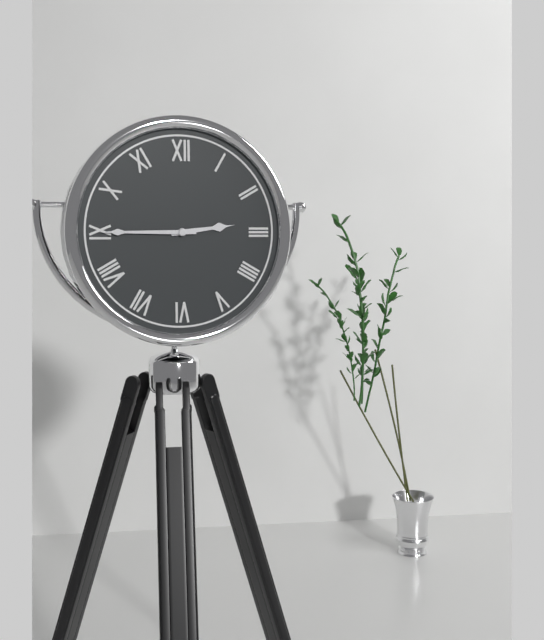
2:45
